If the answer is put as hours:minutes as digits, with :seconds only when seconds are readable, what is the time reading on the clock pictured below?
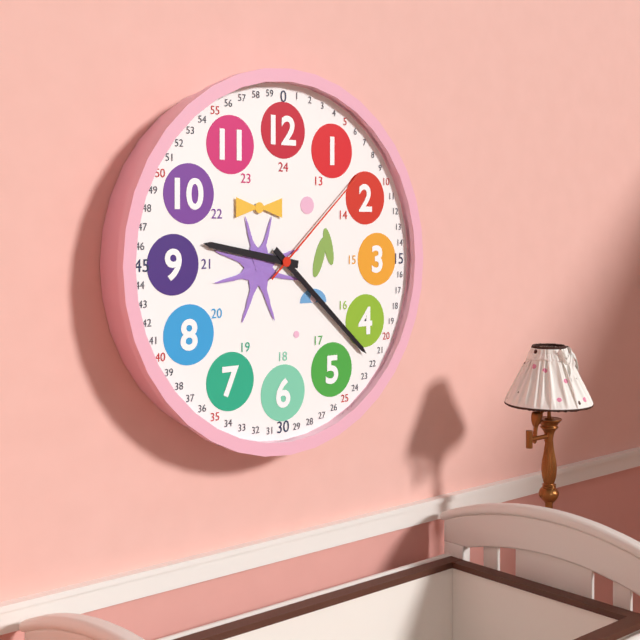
9:22:08
